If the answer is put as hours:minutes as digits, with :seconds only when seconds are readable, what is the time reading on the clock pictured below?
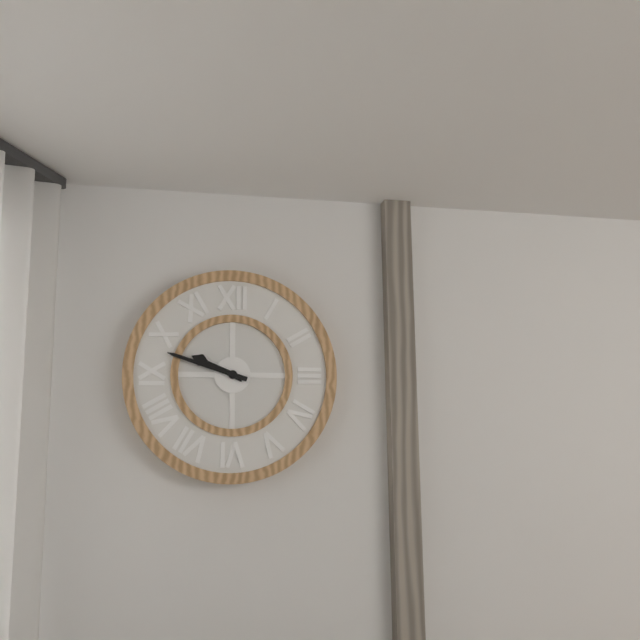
9:48
